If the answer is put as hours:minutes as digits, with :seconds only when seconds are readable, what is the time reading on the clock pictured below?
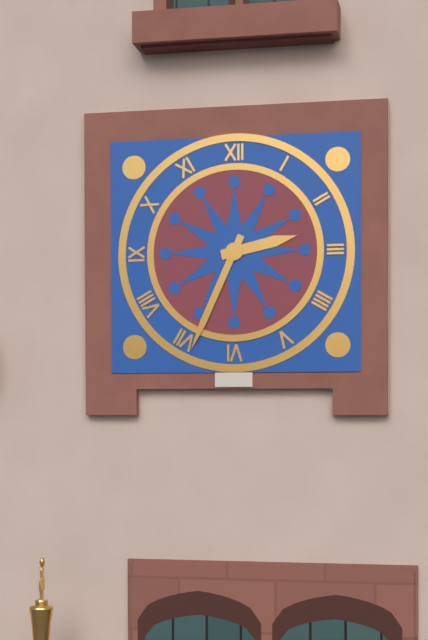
2:34
